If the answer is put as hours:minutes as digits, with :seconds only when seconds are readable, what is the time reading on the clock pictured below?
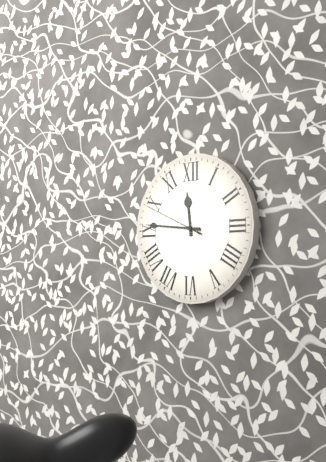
11:46:49
